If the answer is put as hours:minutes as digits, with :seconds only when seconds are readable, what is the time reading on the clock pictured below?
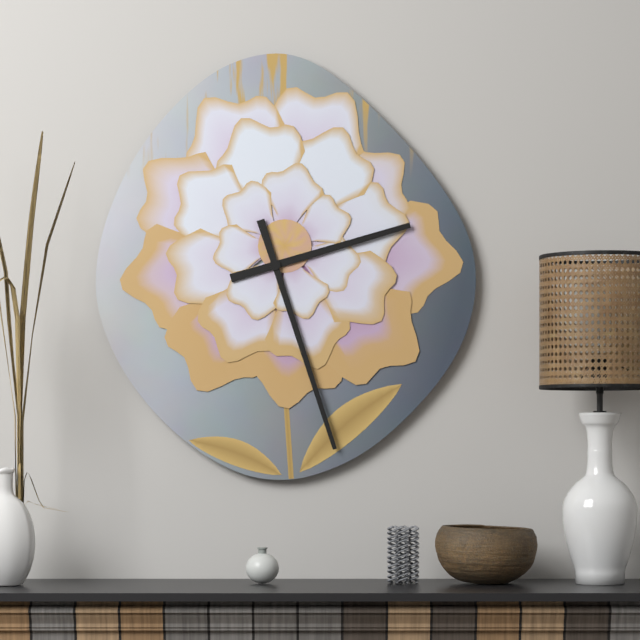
2:27
